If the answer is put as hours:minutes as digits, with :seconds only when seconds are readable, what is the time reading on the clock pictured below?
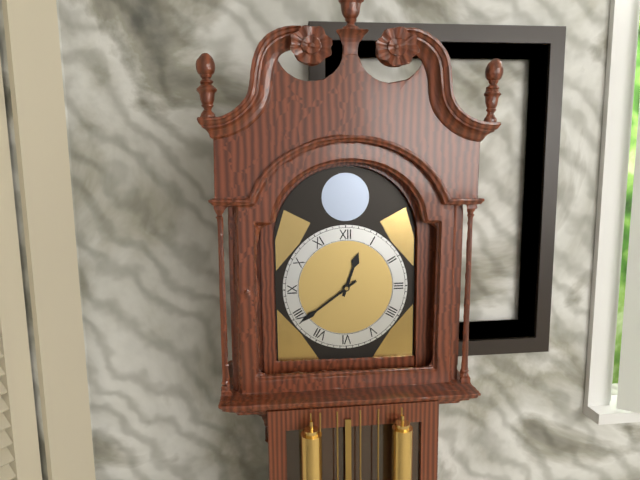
12:39
